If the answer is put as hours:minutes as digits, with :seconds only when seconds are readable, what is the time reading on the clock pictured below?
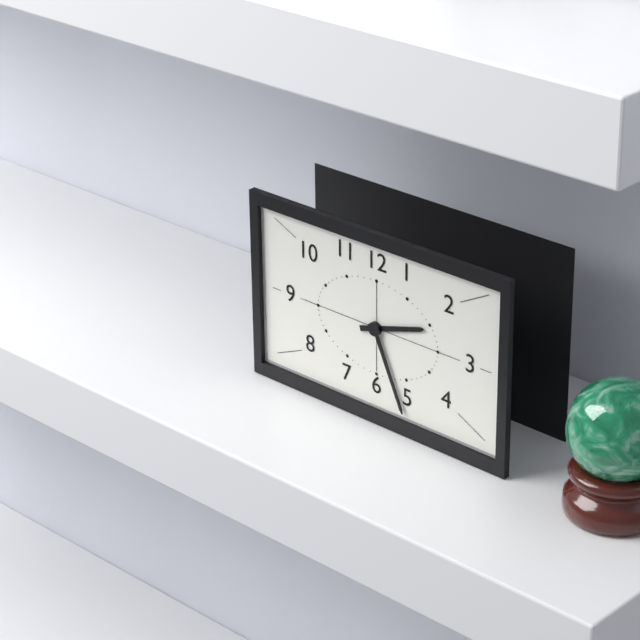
2:26
